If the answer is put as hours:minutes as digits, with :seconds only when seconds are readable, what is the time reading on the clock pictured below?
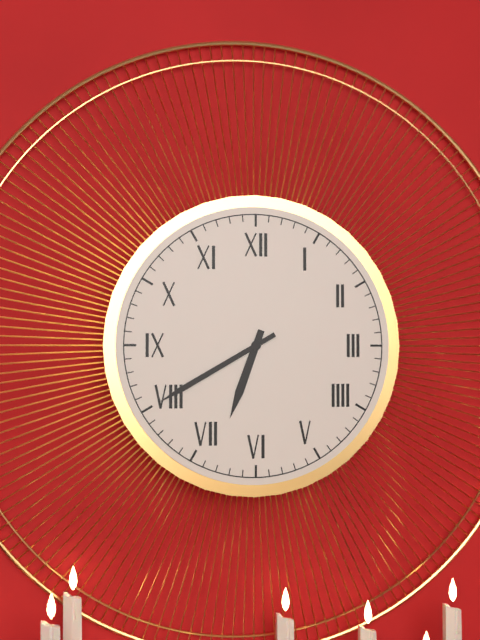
6:40
